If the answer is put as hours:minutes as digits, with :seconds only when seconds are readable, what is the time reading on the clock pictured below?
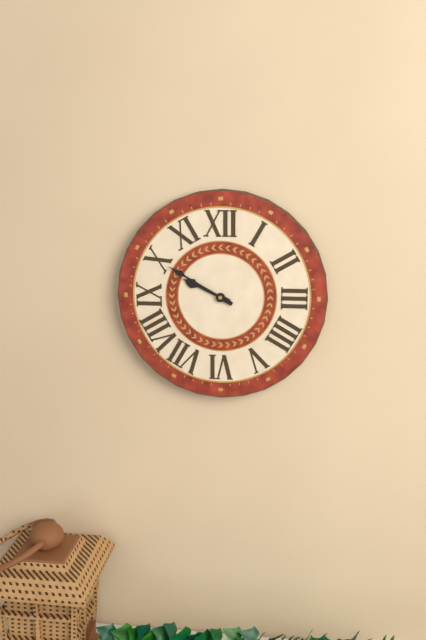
9:50
